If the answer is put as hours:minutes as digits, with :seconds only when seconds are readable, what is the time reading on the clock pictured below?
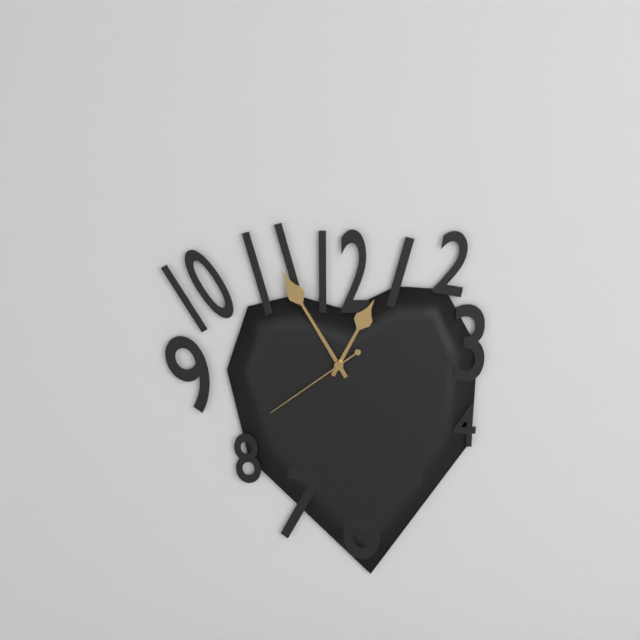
12:55:39
